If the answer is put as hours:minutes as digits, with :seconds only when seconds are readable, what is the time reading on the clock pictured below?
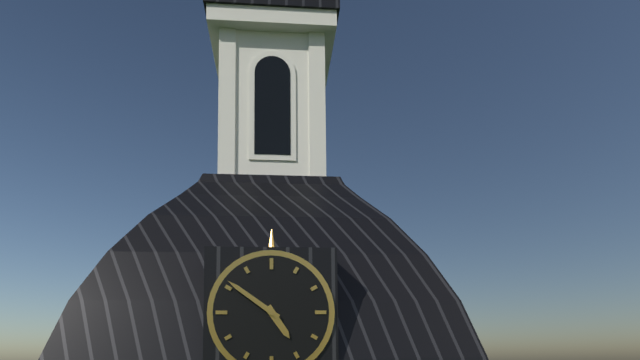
4:51
